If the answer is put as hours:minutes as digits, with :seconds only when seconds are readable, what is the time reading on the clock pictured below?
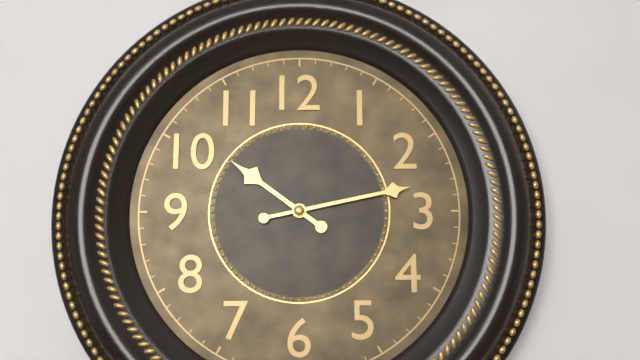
10:13
